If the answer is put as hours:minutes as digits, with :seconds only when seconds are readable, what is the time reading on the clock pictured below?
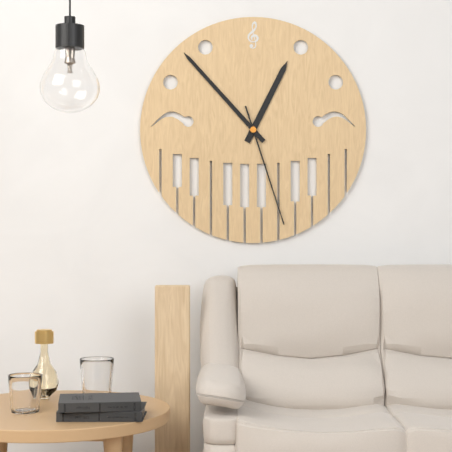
12:53:27
